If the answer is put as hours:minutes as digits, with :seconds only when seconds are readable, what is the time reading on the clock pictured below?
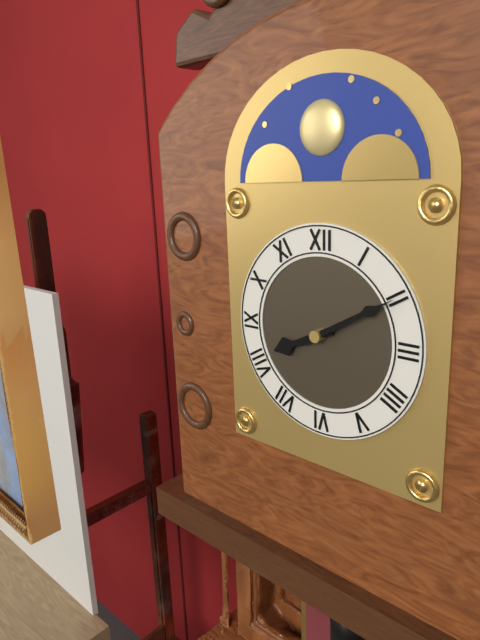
8:10
